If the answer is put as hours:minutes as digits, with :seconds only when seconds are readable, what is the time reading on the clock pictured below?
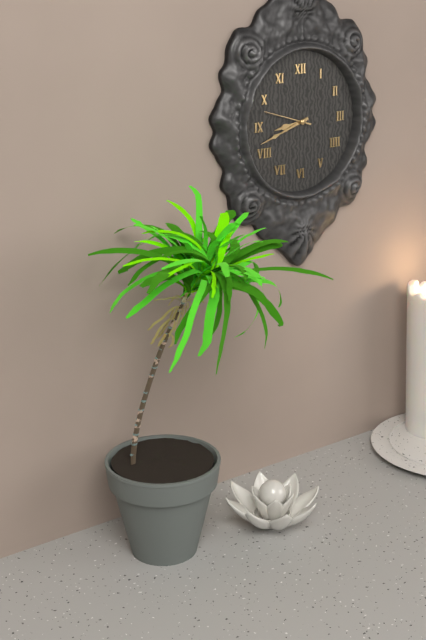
8:42
